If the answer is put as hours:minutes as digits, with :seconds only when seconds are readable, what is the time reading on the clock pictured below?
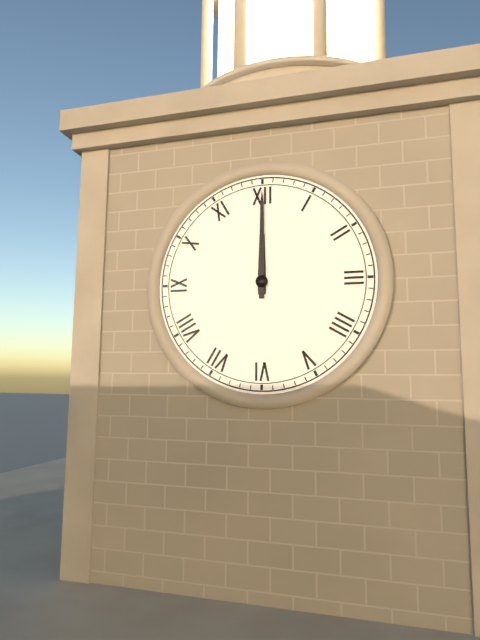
12:00
